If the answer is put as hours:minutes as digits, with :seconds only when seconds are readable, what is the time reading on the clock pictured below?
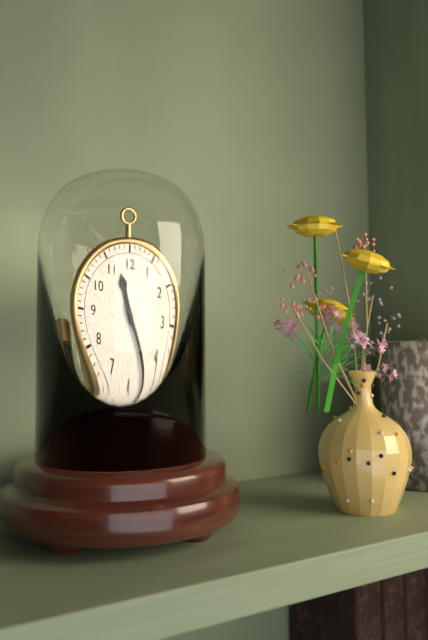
11:25
